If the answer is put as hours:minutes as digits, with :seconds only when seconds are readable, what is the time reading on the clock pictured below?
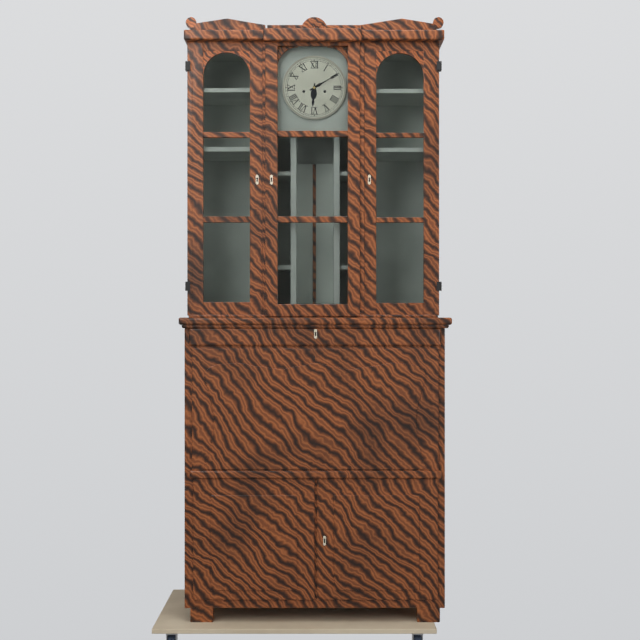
6:10
